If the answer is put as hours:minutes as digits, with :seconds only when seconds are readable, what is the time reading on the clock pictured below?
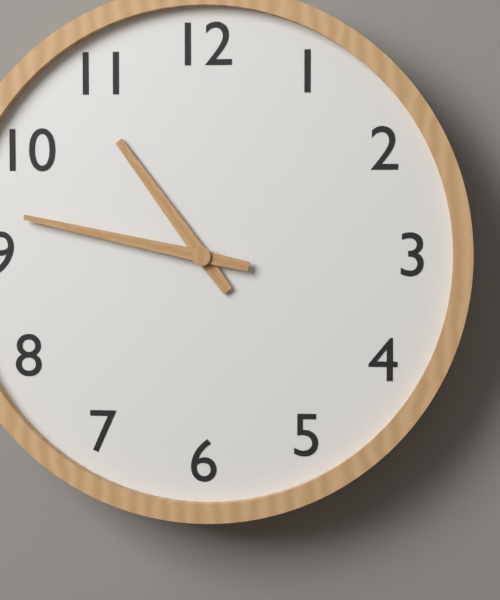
10:47
